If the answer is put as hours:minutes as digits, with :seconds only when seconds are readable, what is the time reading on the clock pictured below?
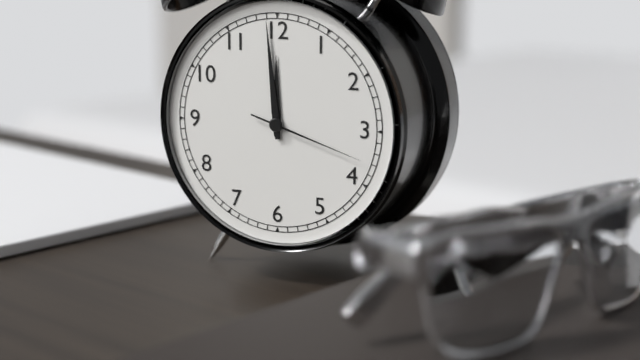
11:59:18
